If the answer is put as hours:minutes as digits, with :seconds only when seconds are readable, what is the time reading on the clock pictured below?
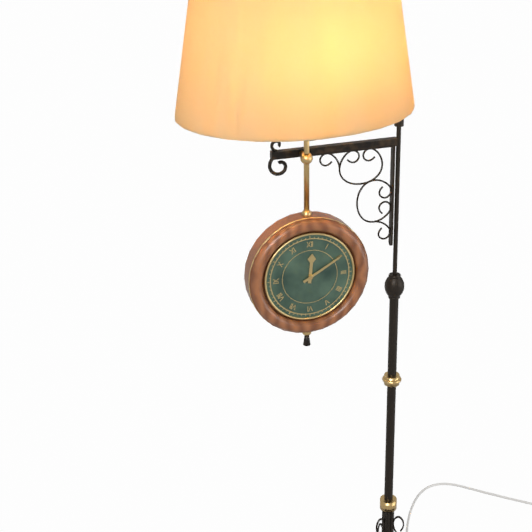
12:10
